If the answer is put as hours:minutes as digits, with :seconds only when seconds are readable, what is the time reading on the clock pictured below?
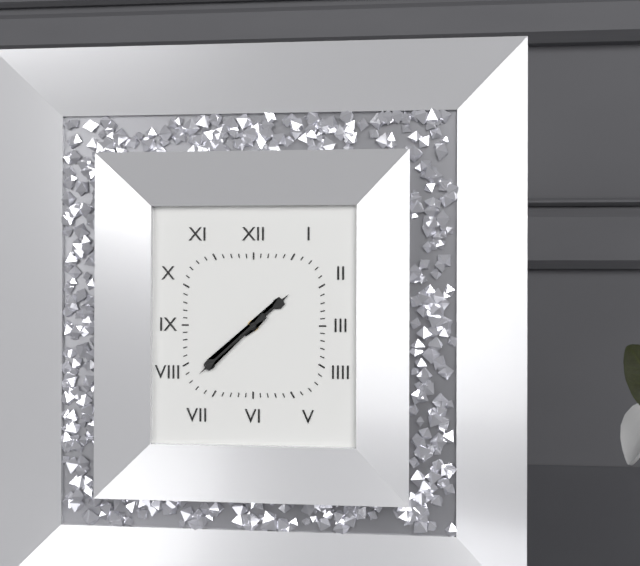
1:38
